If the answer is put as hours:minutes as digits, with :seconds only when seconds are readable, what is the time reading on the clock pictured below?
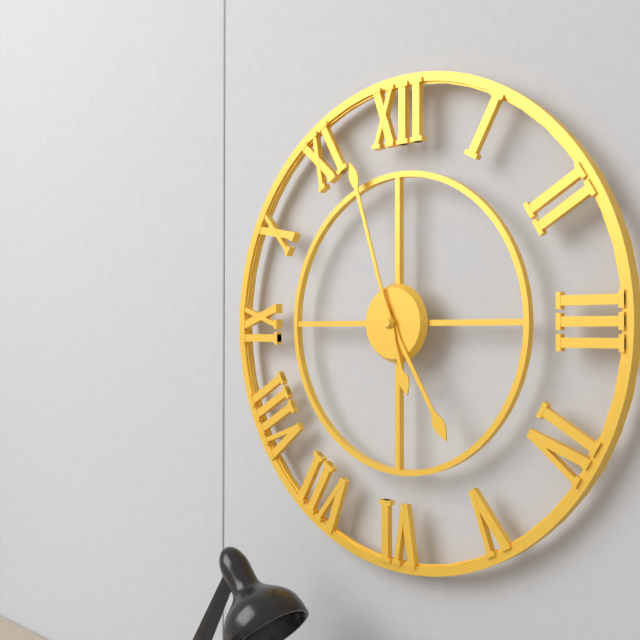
4:57
